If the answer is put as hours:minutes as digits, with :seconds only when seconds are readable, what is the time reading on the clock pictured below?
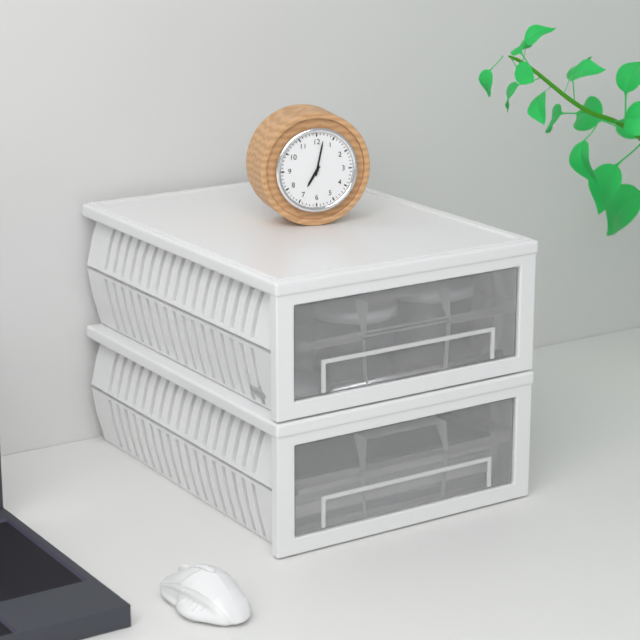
7:02
